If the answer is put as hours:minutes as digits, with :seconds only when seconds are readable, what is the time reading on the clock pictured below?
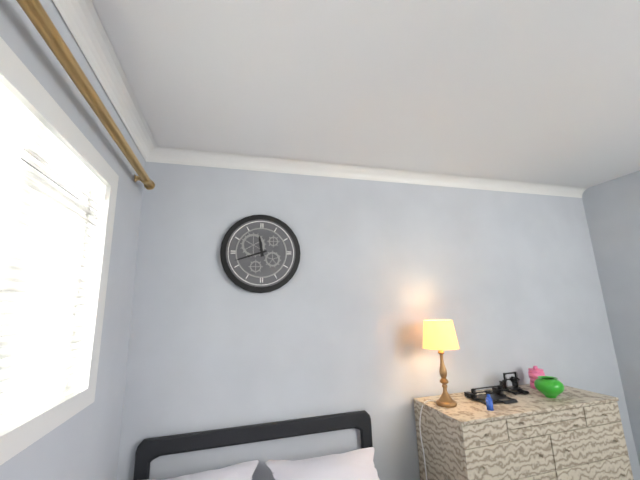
11:42
